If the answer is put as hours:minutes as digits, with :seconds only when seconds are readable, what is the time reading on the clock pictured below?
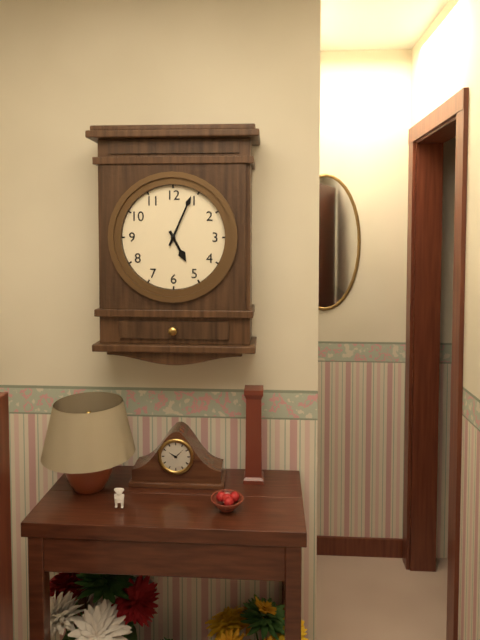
5:04
